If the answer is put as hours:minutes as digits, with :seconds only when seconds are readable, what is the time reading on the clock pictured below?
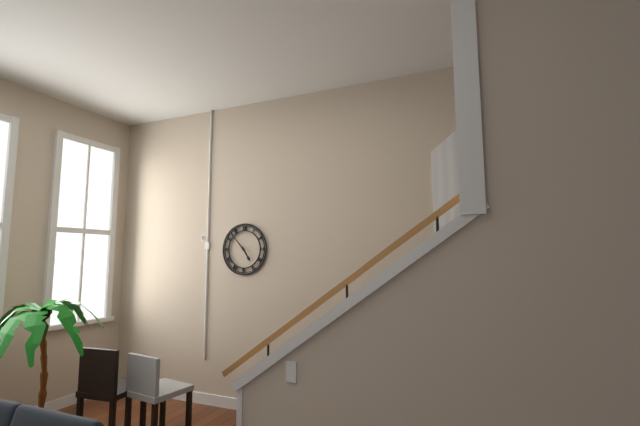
4:53
